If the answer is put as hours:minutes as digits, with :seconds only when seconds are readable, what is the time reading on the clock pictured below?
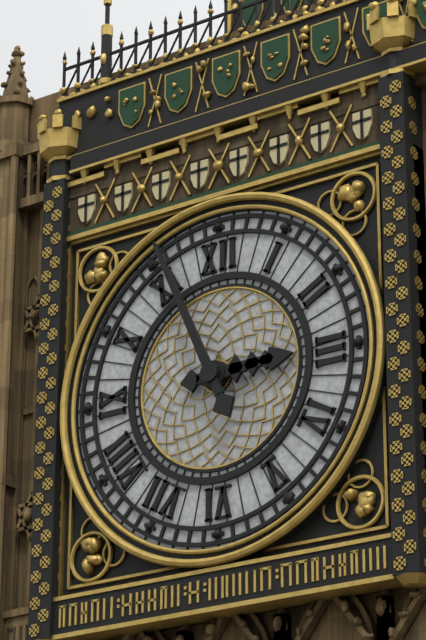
2:56
